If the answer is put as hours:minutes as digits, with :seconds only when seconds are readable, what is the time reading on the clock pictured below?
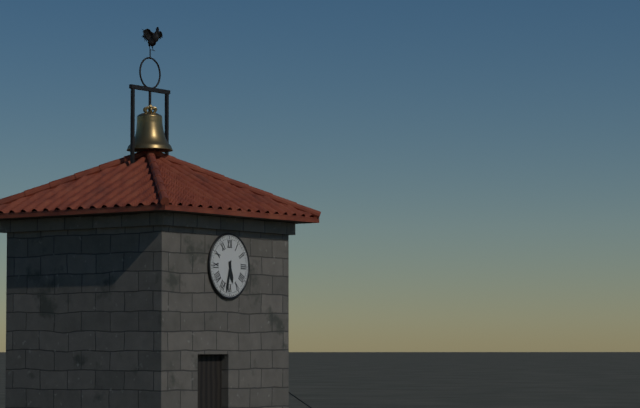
5:32
